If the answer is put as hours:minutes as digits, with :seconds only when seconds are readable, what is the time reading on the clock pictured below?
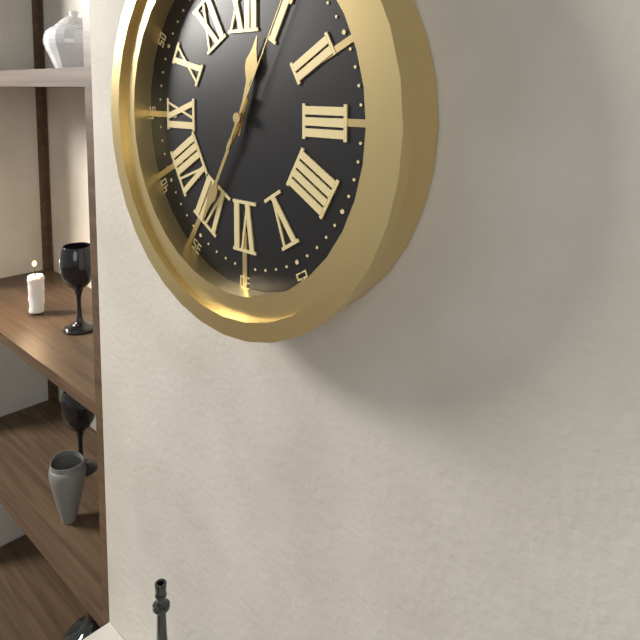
12:35
